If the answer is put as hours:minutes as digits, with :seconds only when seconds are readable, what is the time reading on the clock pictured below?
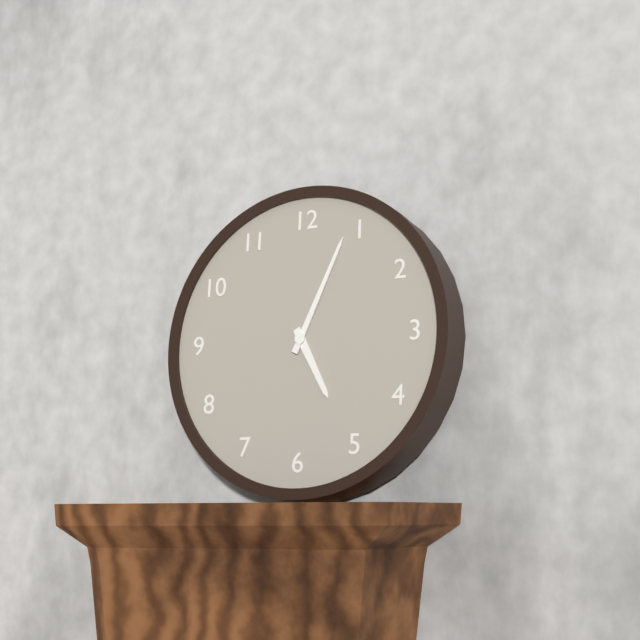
5:04
